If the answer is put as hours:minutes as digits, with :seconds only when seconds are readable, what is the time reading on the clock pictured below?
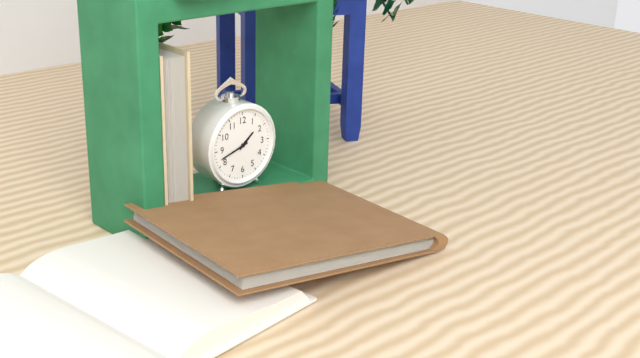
1:42
